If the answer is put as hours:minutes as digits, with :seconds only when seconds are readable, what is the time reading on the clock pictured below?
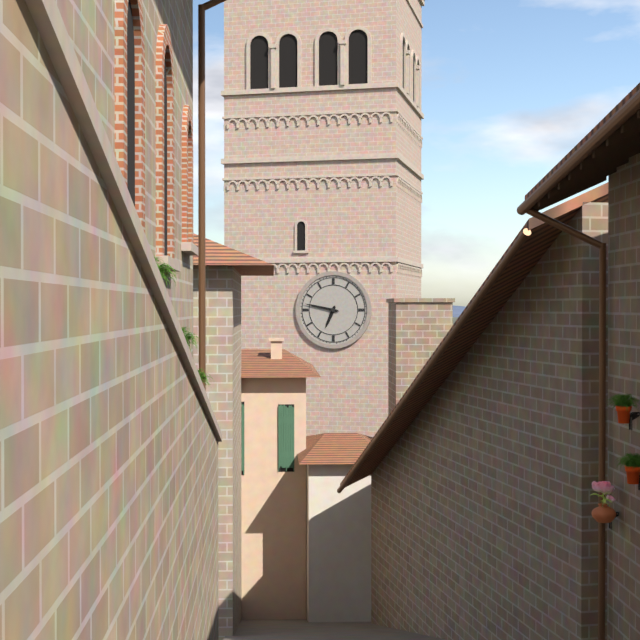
6:47
